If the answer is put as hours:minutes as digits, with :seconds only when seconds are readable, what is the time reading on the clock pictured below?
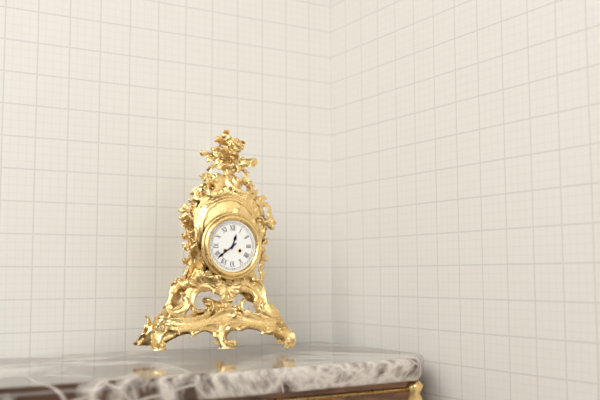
12:39
